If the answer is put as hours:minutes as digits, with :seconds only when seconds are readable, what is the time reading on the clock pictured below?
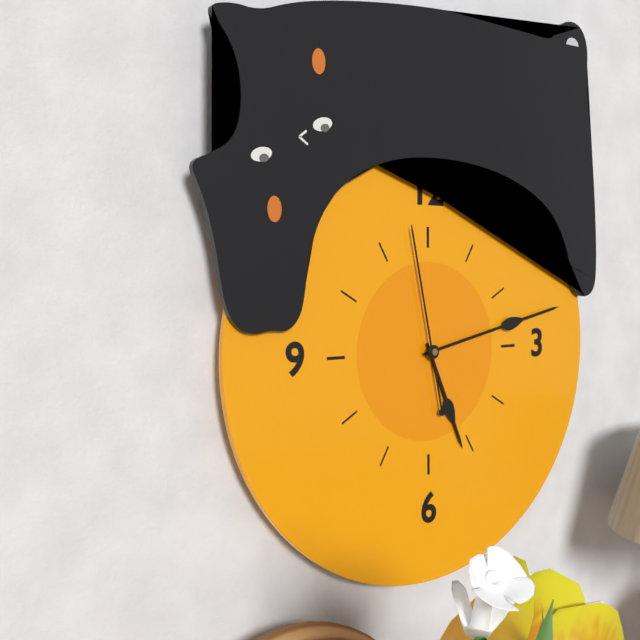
5:13:58
